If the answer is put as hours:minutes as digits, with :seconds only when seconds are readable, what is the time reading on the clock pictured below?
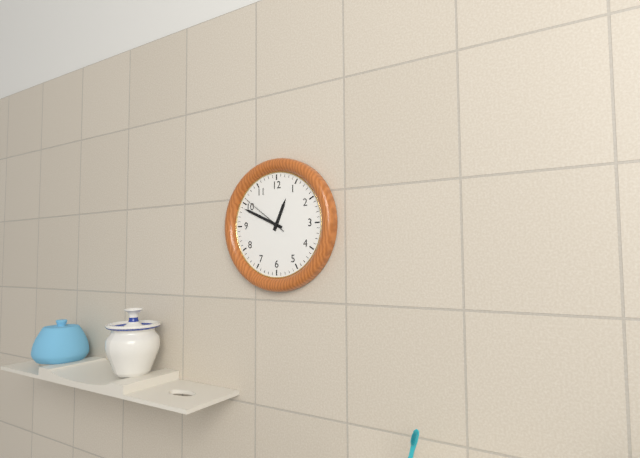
12:49
